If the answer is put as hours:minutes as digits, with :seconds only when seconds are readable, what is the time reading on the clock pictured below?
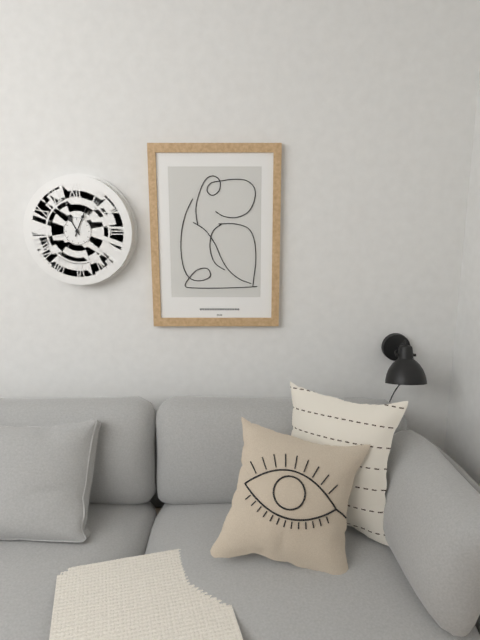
11:04
